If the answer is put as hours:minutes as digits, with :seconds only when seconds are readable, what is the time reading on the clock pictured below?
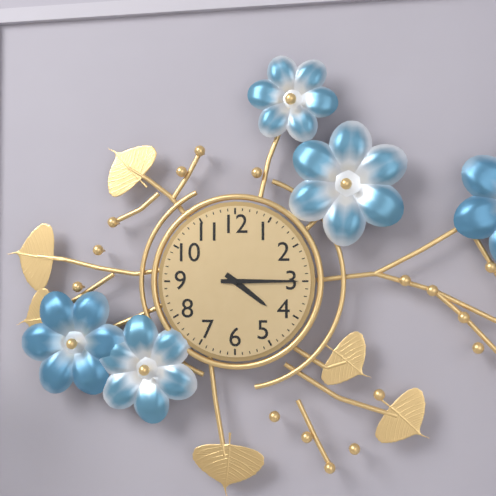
4:15
